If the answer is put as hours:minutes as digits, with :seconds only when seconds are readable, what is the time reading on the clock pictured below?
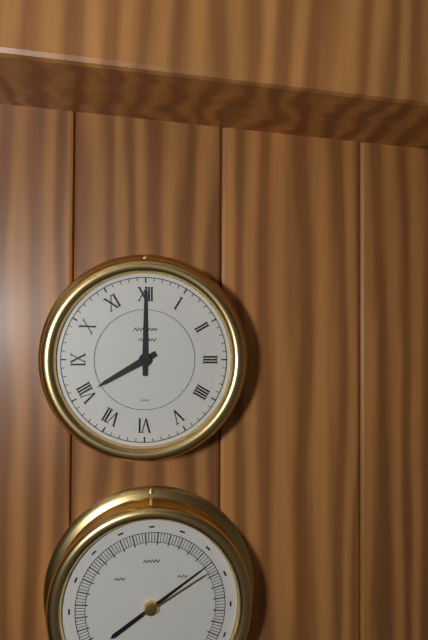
8:00
